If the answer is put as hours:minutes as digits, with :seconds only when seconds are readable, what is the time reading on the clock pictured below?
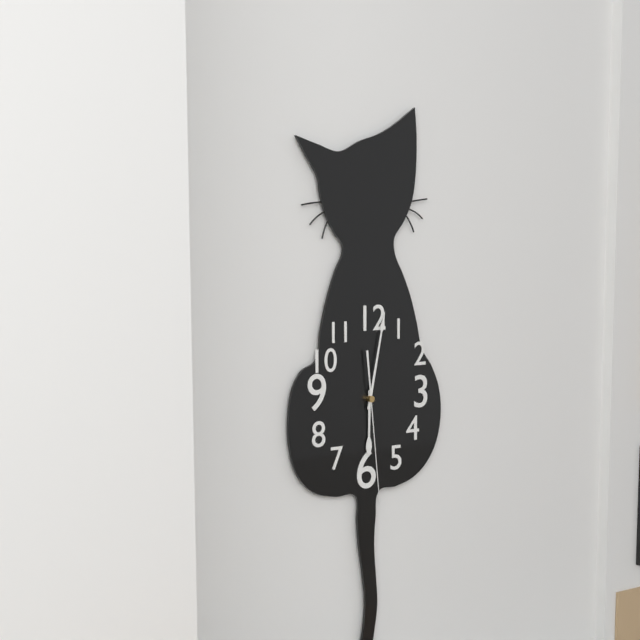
6:02:29
